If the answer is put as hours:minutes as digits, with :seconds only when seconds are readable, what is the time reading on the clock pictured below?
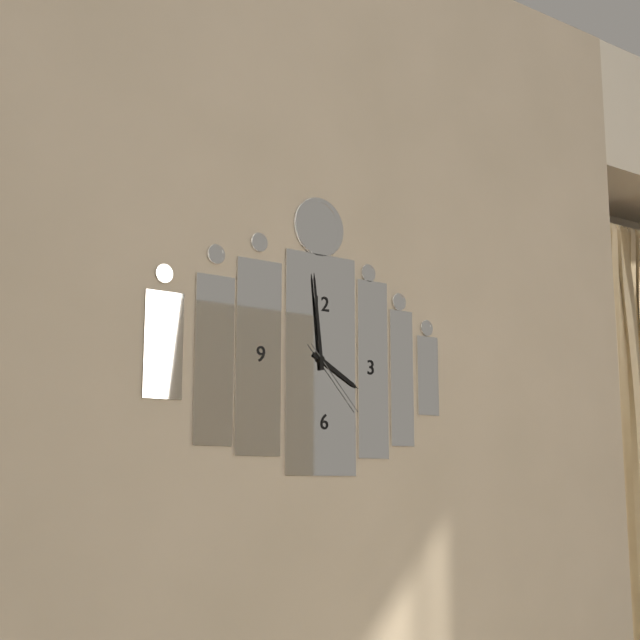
3:59:23
